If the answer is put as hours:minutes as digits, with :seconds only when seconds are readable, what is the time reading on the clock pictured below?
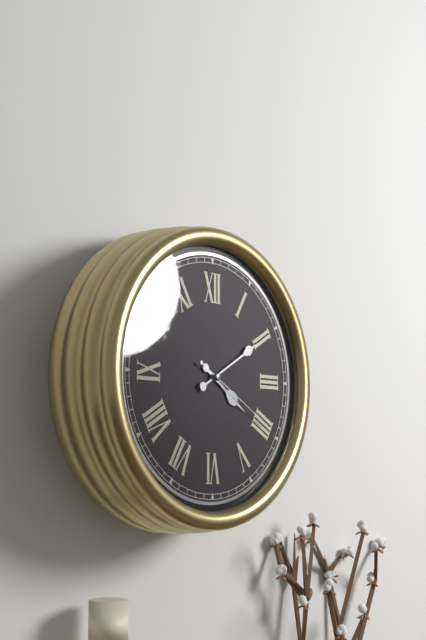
4:10:20
